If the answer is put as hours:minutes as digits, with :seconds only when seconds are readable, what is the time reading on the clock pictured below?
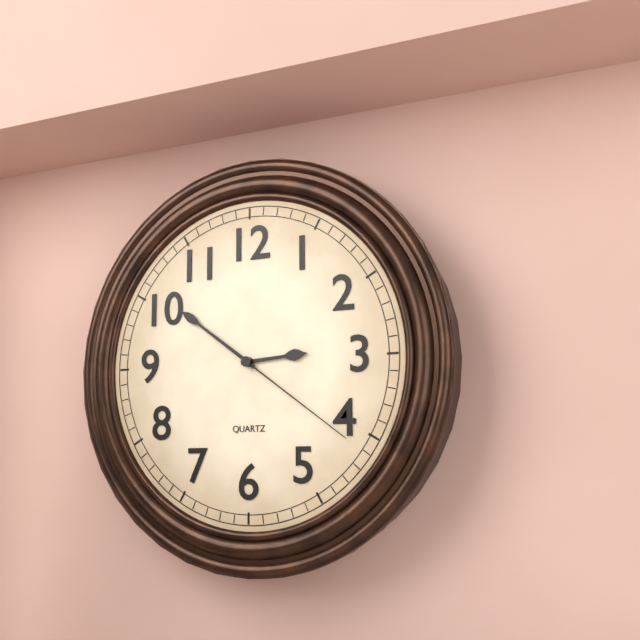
2:51:21
